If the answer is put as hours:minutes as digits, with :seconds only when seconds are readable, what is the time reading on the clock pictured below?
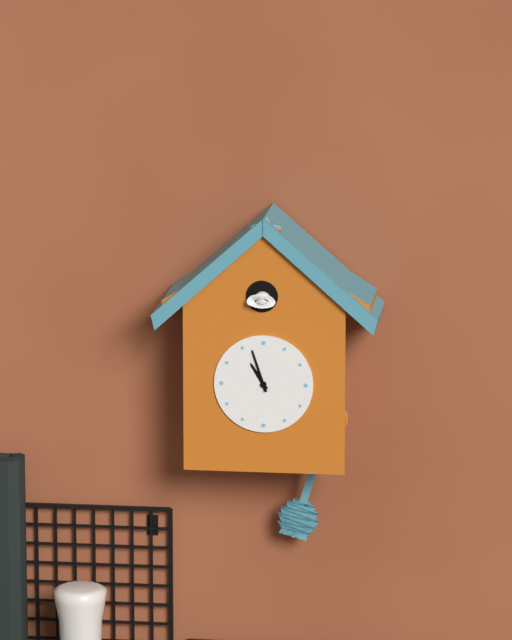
10:57
